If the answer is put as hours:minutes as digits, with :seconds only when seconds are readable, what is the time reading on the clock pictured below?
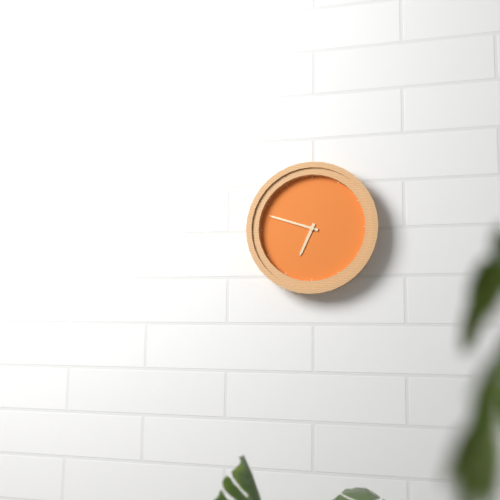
6:48
